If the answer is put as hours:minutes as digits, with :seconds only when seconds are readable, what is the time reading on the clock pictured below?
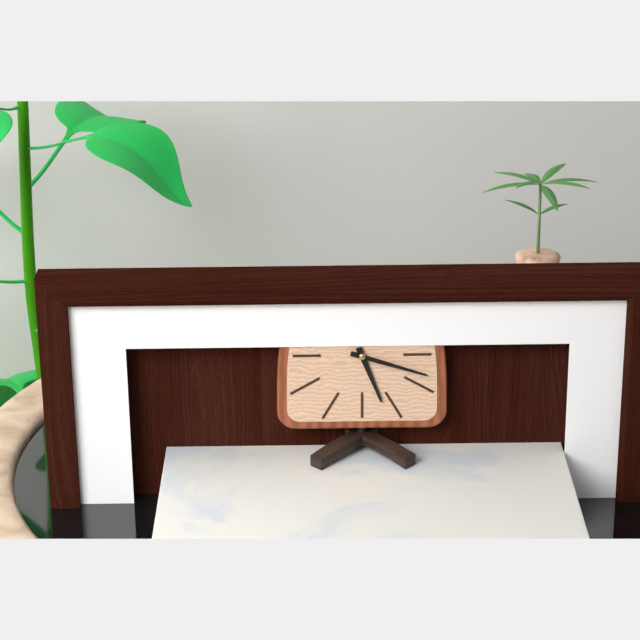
5:18
